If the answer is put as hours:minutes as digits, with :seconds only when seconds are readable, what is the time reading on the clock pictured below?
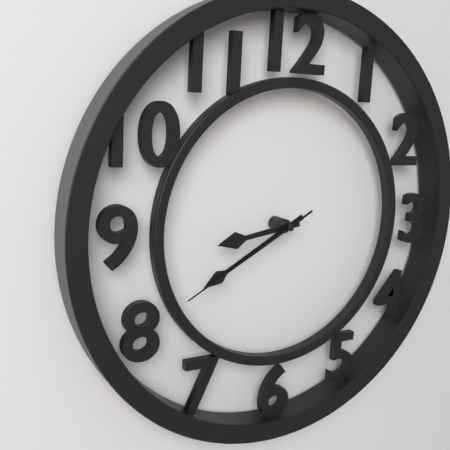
8:40:40
